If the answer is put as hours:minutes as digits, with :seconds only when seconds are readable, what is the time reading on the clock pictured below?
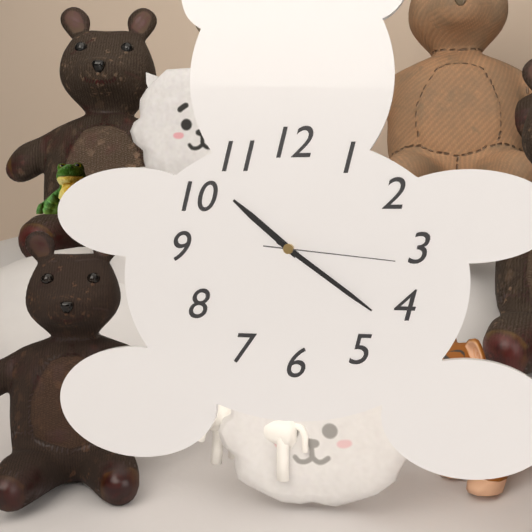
10:21:16
